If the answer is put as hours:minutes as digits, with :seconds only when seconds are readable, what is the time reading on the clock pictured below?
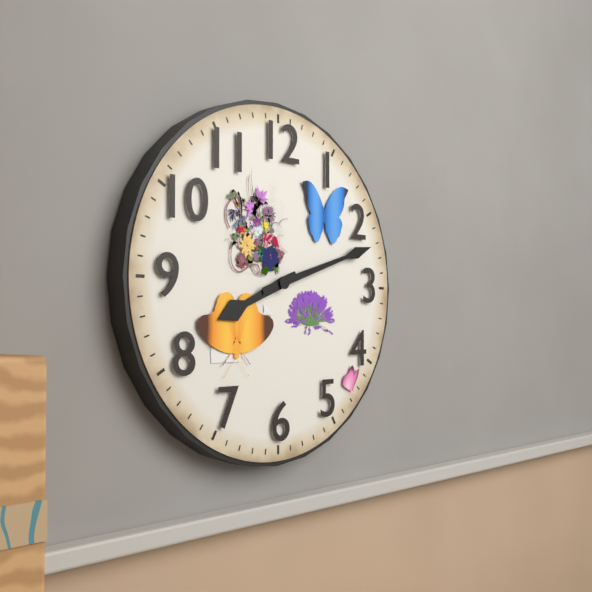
8:12
